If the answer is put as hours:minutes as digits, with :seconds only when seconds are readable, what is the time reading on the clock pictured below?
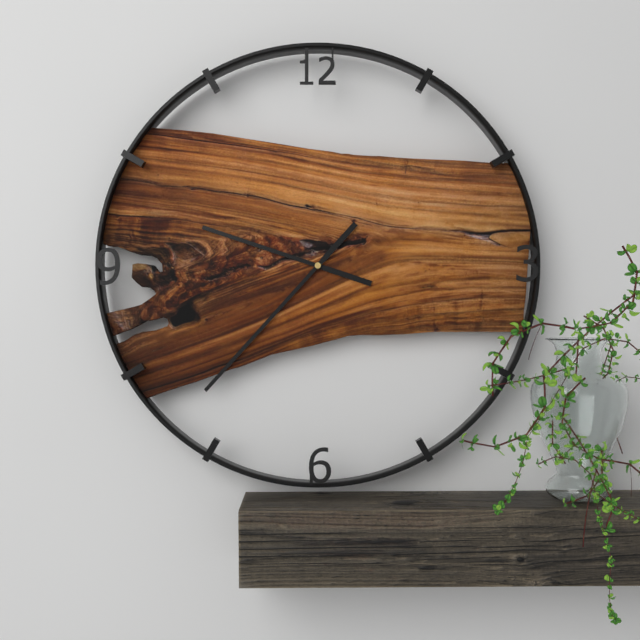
9:37
